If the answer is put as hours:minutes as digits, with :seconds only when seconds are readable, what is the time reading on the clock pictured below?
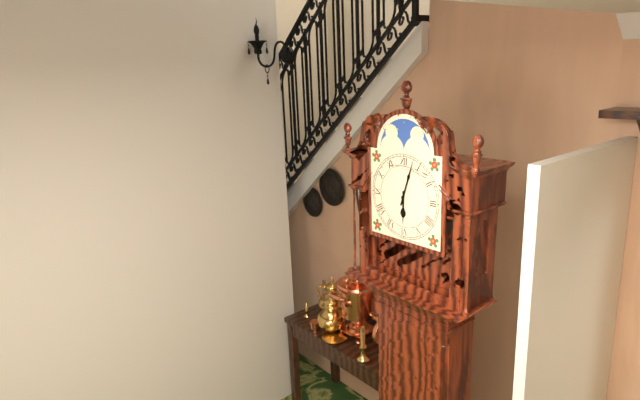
6:03
